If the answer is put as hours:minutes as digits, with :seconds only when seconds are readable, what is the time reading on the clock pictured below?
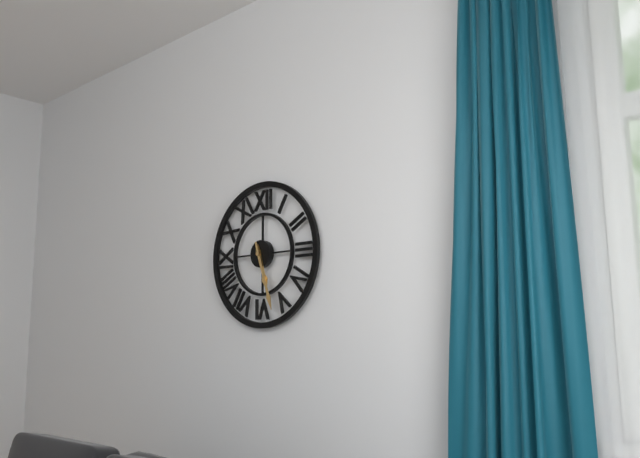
5:27
